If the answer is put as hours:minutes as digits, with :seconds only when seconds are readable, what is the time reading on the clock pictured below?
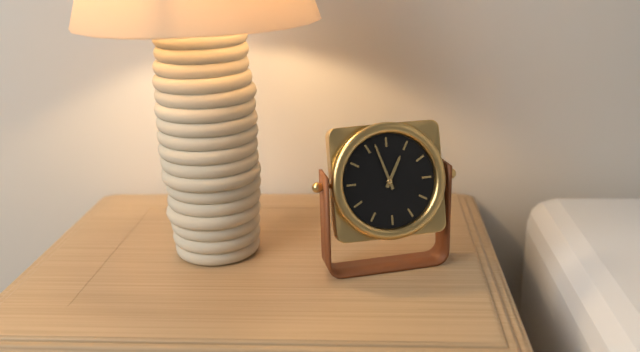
12:57
